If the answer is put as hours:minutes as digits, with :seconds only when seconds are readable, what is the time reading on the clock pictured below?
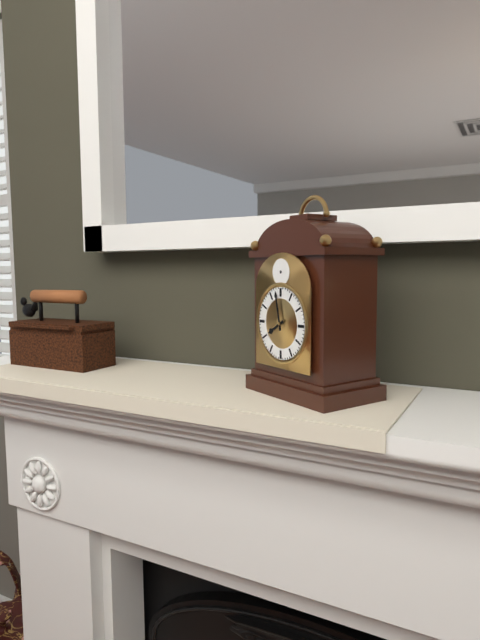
7:58
